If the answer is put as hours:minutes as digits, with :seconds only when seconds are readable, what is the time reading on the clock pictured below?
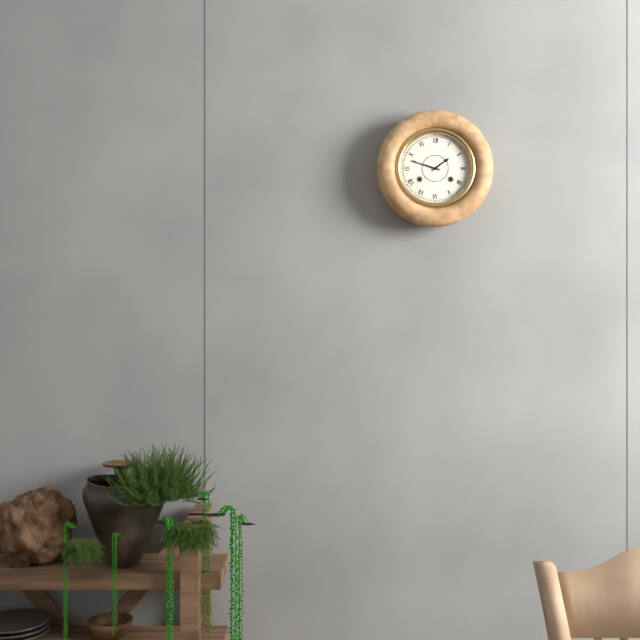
1:48
